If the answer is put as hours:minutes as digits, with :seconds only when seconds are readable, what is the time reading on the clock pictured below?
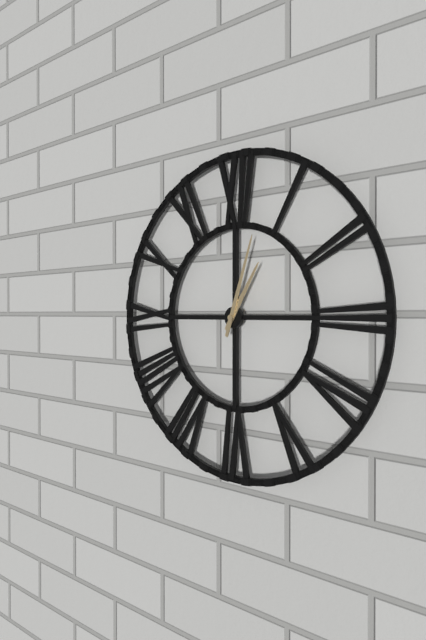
1:03
